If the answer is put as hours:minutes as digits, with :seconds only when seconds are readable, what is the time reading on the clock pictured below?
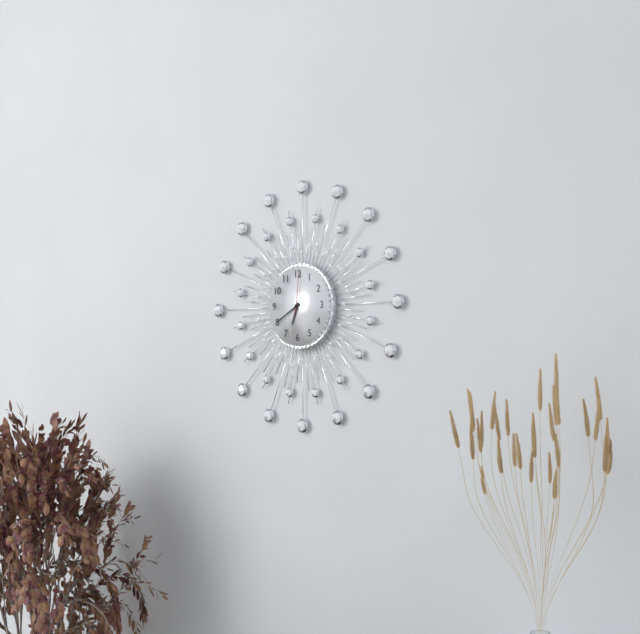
6:40
